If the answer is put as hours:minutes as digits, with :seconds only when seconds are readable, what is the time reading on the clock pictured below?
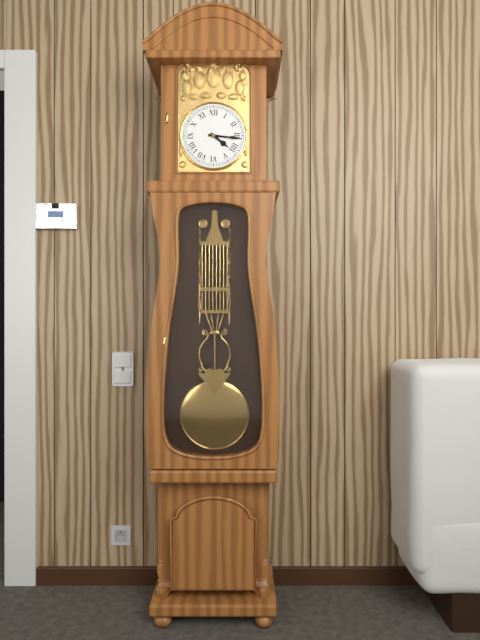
4:16
